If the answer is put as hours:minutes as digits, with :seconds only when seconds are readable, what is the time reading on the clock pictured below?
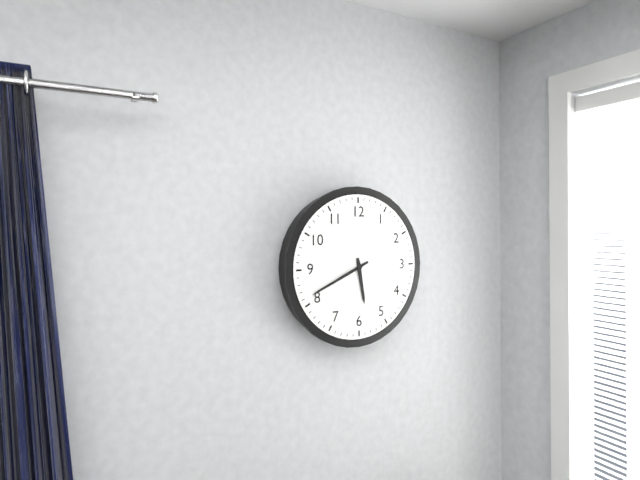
5:41
